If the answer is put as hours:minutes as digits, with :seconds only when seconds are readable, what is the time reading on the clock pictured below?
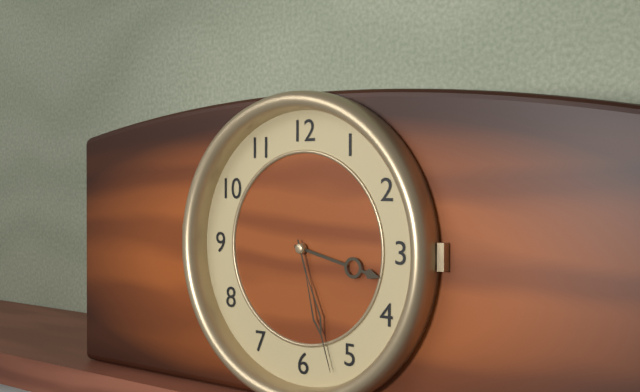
3:27
